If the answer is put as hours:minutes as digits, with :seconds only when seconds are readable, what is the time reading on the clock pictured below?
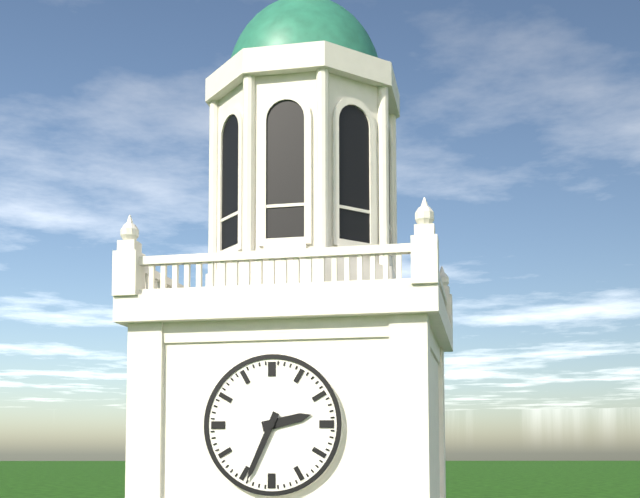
2:34
